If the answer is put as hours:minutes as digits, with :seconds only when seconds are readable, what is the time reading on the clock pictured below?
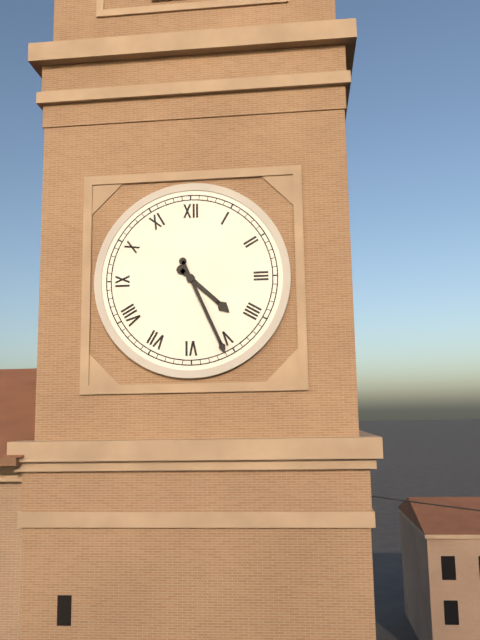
4:26
